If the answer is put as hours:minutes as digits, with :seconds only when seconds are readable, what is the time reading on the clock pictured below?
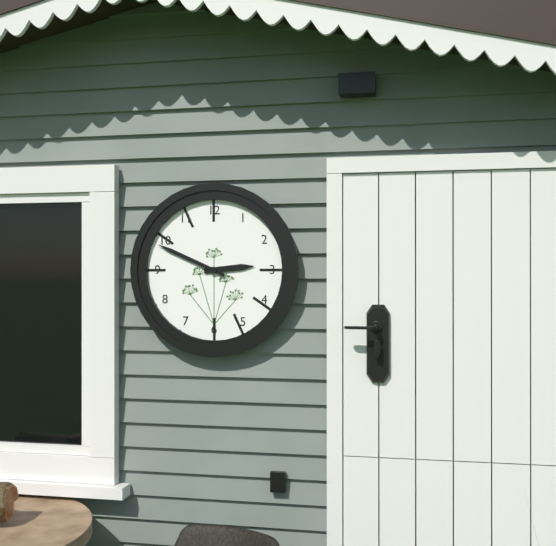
2:49
